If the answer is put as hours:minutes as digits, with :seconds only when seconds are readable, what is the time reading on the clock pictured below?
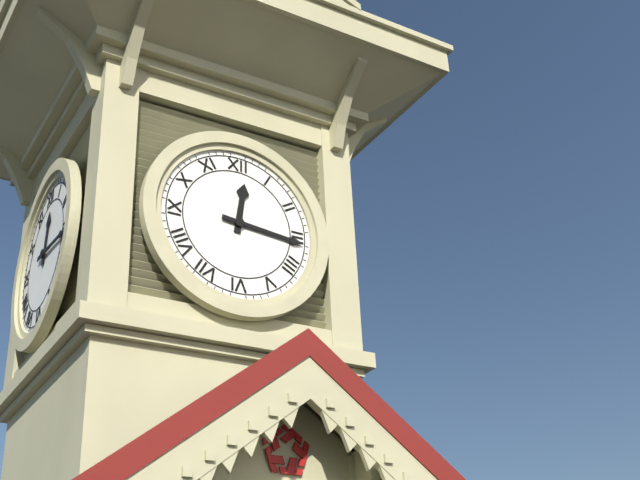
12:16
